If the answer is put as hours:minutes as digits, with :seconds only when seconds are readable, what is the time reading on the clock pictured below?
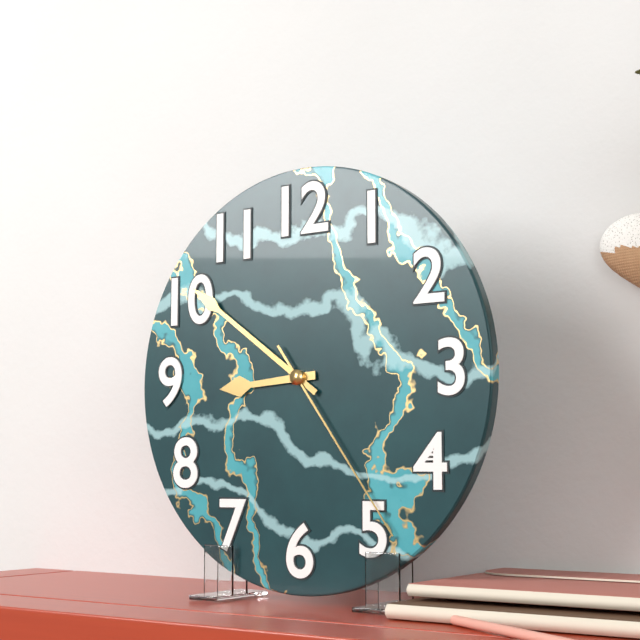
8:51:24
